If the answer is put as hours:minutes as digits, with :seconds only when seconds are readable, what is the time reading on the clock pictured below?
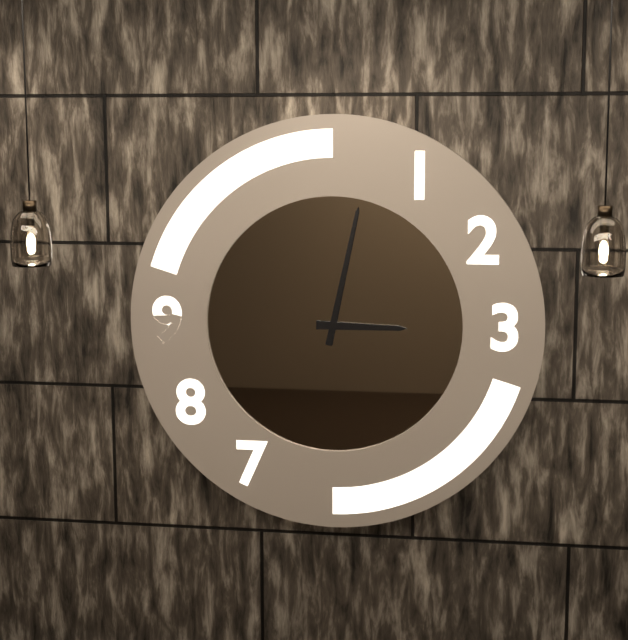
3:02
